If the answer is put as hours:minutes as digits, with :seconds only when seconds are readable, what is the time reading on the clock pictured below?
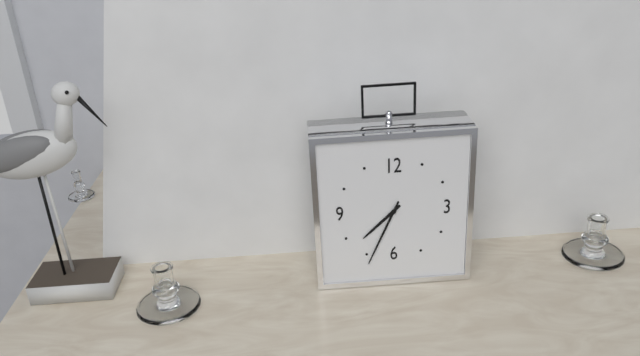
7:34
